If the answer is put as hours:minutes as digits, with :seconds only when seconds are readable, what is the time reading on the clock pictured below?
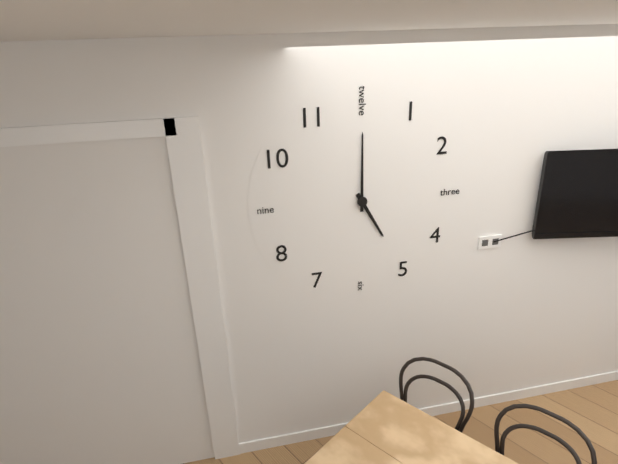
5:00
